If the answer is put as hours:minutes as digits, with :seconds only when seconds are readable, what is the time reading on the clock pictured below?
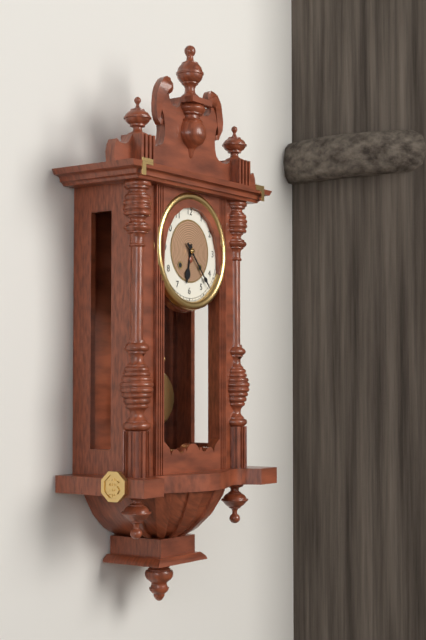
6:23
